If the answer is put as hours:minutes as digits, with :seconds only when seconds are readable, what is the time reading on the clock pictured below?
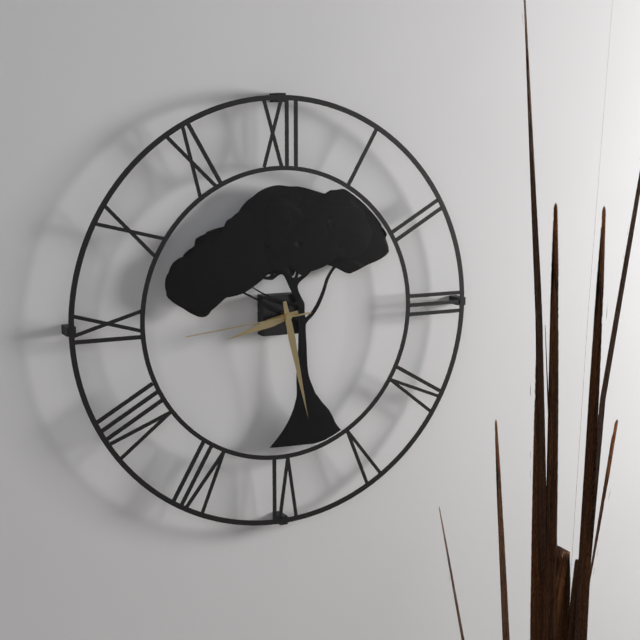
8:28:44
